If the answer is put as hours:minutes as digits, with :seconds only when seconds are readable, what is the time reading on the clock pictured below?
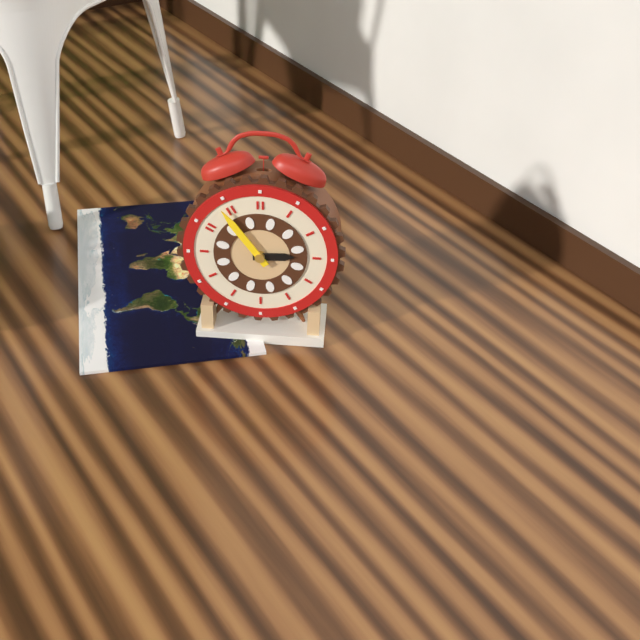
2:54
